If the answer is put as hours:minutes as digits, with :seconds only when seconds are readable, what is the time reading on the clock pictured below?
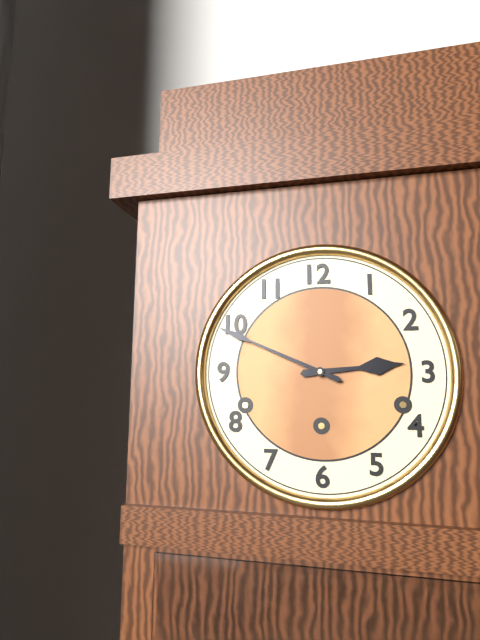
2:49
